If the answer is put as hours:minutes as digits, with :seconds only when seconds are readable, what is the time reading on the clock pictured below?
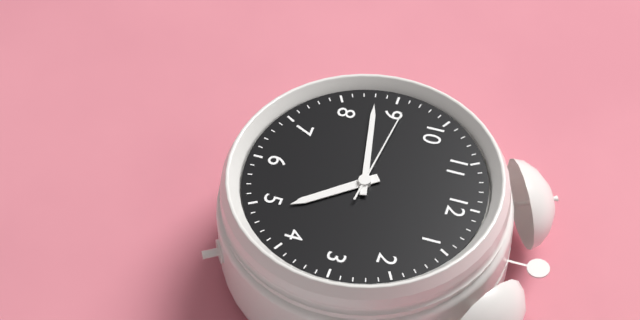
4:43:46
